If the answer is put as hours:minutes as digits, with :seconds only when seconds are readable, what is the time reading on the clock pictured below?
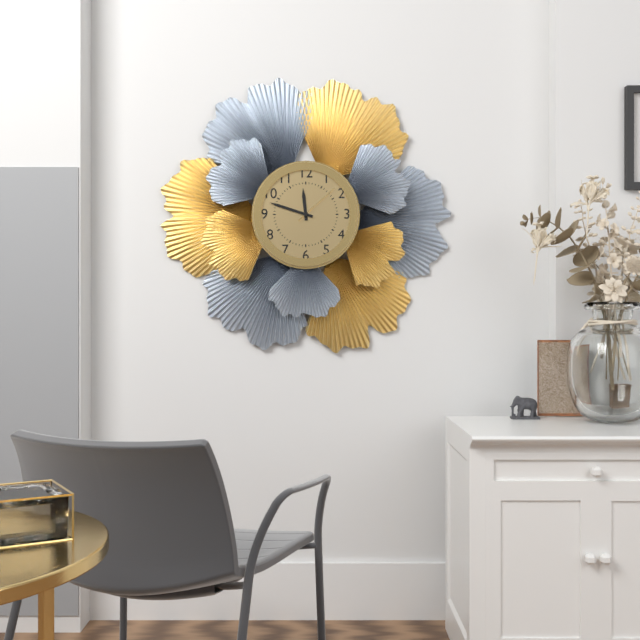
11:48:08
